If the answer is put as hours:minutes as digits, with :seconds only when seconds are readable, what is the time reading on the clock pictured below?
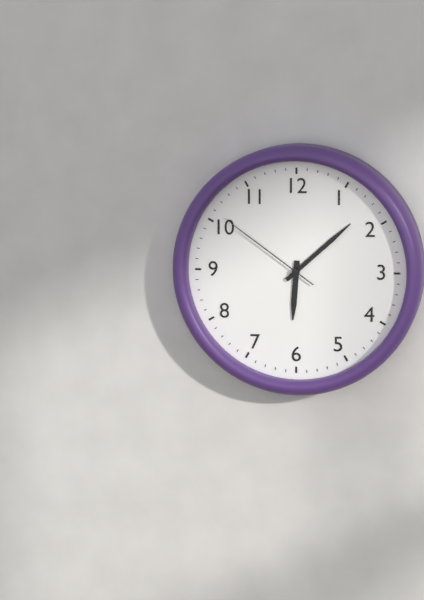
6:08:51
